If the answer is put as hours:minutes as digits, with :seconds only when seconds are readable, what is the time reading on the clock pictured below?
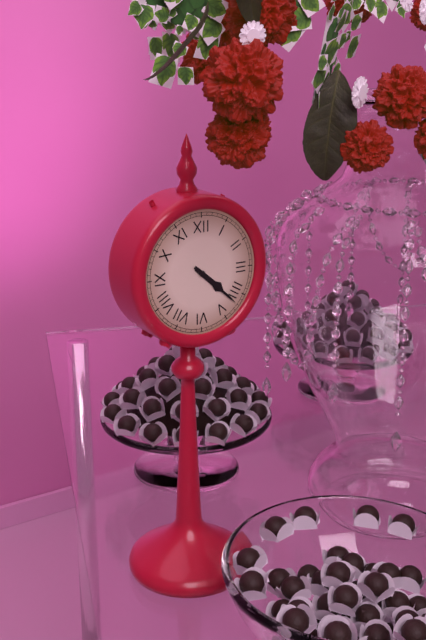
4:22
